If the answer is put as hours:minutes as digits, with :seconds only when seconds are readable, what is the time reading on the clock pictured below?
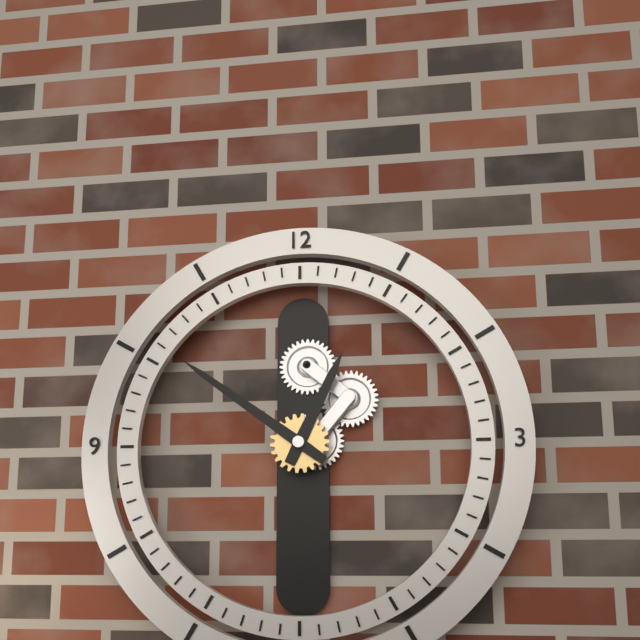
12:51
